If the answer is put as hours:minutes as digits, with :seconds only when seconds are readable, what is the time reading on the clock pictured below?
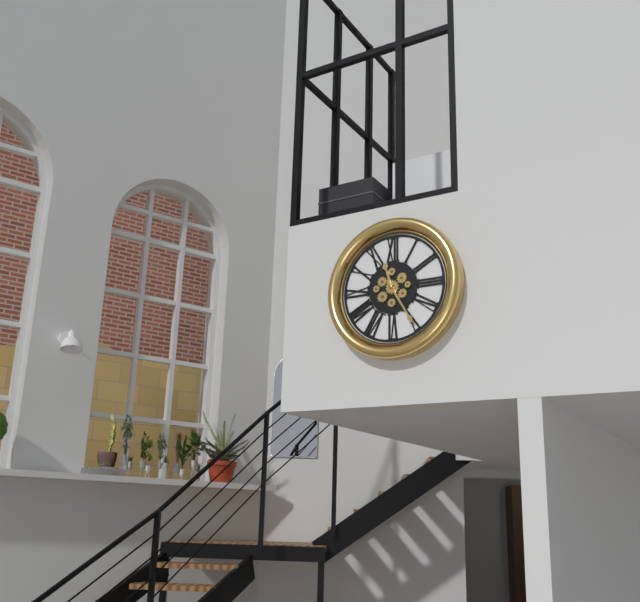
11:25
